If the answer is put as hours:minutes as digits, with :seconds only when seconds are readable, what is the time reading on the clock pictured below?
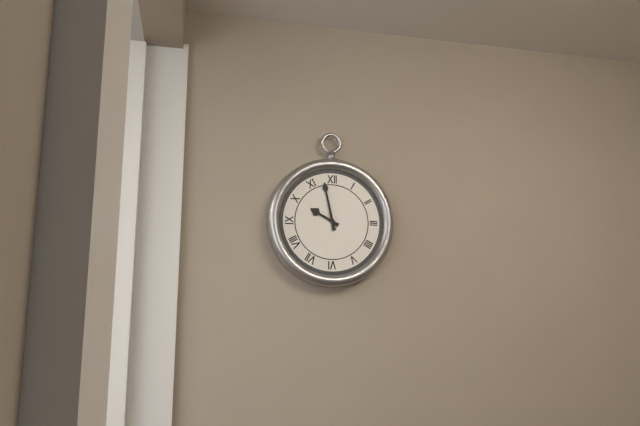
9:58
